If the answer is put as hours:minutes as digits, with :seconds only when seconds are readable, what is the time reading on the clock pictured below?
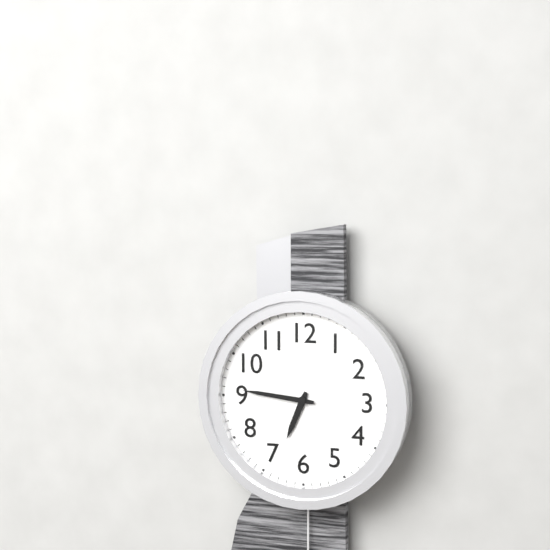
6:46
